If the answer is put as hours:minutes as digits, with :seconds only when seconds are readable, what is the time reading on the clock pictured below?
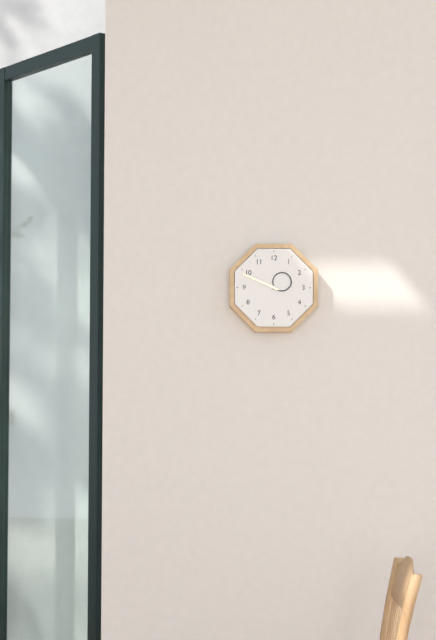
1:49
